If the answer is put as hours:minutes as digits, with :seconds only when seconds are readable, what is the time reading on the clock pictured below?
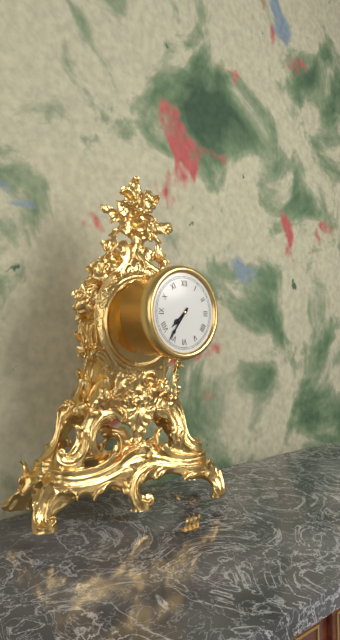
7:36
